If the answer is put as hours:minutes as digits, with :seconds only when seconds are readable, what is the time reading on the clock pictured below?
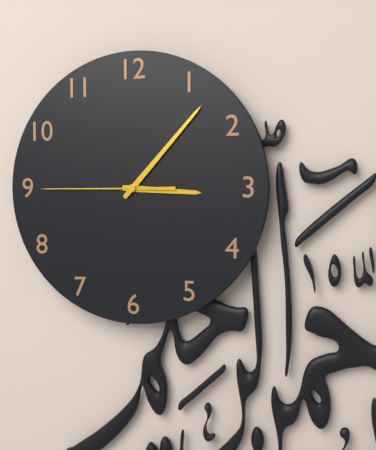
3:07:45
